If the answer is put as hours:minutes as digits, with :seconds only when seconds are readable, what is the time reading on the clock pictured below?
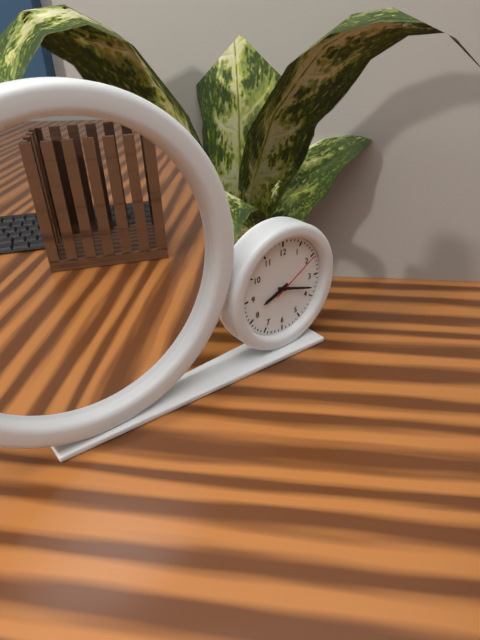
8:18:10
